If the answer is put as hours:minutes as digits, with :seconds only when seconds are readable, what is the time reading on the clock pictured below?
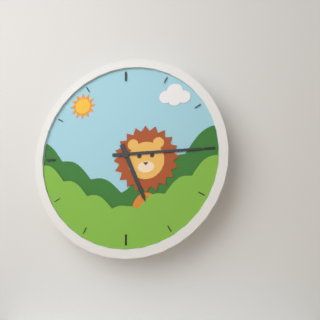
5:15
